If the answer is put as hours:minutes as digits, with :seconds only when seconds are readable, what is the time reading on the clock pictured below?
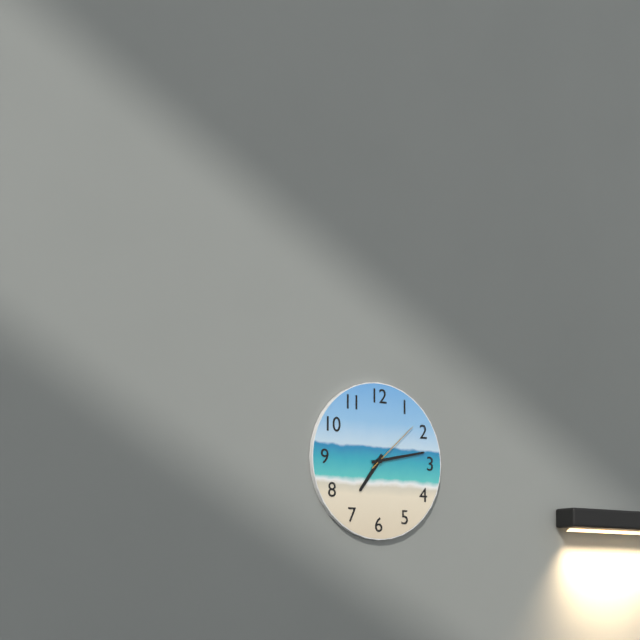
7:13:08
